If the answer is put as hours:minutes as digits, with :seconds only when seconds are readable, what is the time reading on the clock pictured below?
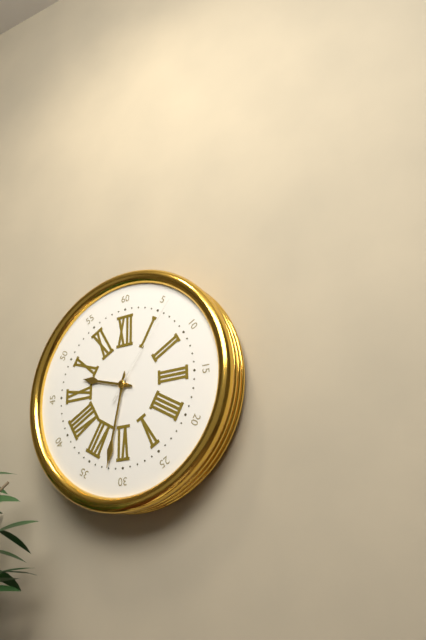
9:32:06
